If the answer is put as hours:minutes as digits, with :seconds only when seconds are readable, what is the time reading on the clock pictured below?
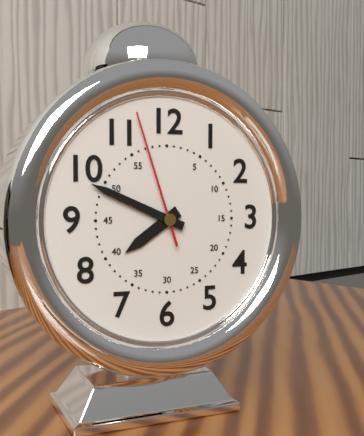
7:49:57
